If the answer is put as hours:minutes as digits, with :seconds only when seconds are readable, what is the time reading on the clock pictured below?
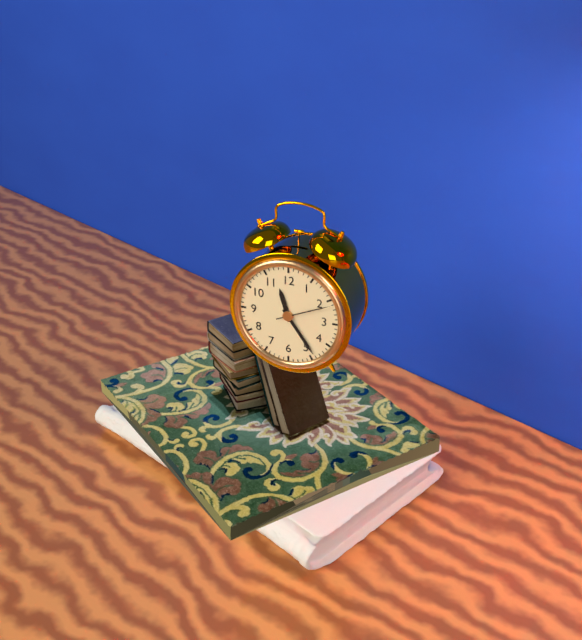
11:24:11
